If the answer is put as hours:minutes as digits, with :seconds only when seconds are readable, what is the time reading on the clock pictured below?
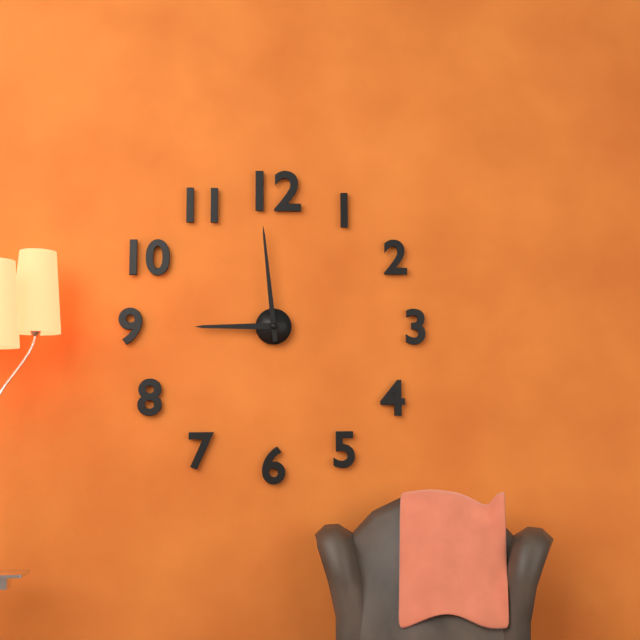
8:59
